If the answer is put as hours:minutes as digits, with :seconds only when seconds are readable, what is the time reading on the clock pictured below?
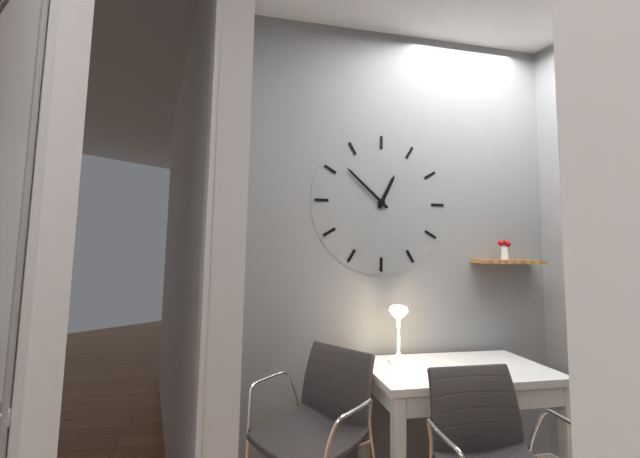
12:52
